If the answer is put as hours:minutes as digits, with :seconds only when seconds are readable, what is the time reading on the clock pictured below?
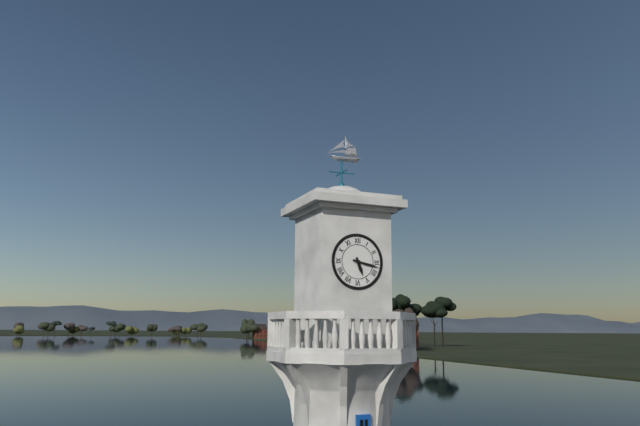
5:17
